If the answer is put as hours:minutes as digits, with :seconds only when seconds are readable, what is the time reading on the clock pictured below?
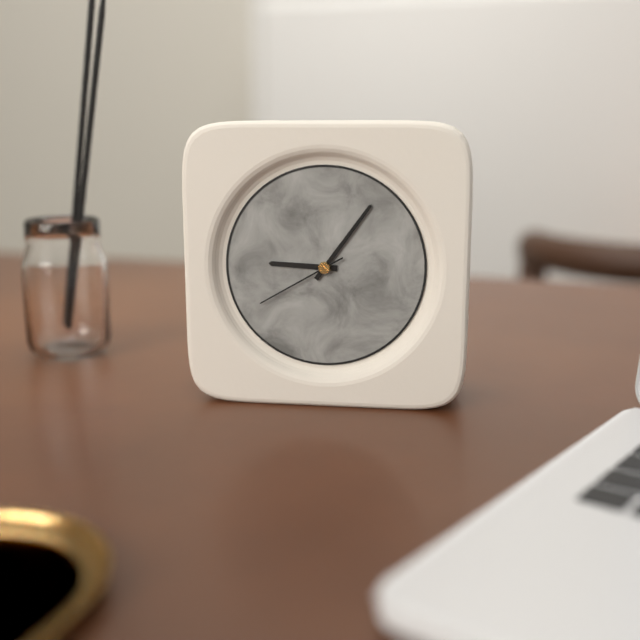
9:06:40
